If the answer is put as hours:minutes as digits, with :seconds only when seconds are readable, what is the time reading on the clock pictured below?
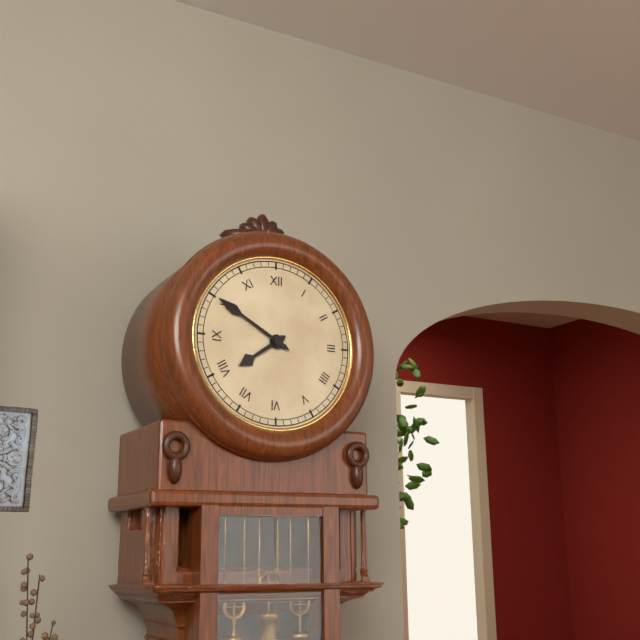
7:50
